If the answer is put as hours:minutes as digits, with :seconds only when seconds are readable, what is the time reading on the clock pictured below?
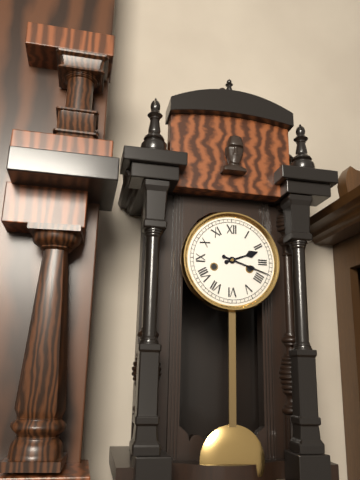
2:18
